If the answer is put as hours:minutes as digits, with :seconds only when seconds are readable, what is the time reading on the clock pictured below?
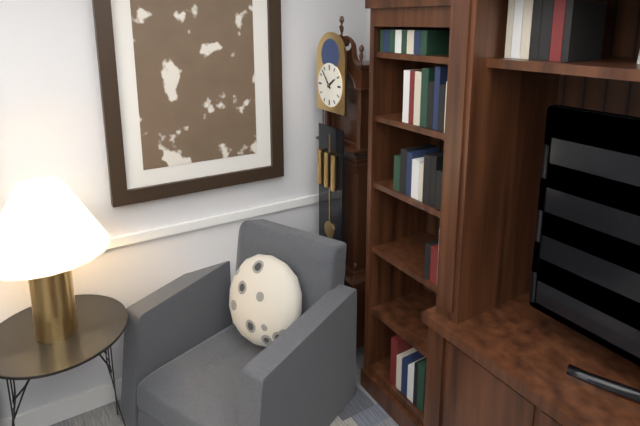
1:53
